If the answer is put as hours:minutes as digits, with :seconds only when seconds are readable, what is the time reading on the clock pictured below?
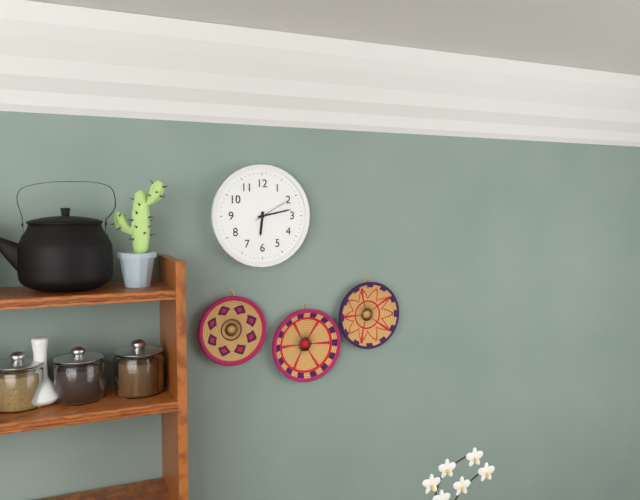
6:13
